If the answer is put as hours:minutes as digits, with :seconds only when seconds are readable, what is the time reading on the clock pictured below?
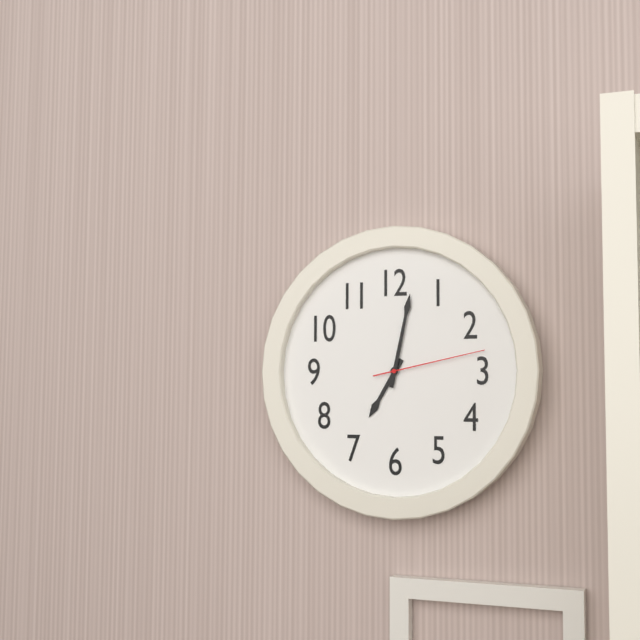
7:02:13
